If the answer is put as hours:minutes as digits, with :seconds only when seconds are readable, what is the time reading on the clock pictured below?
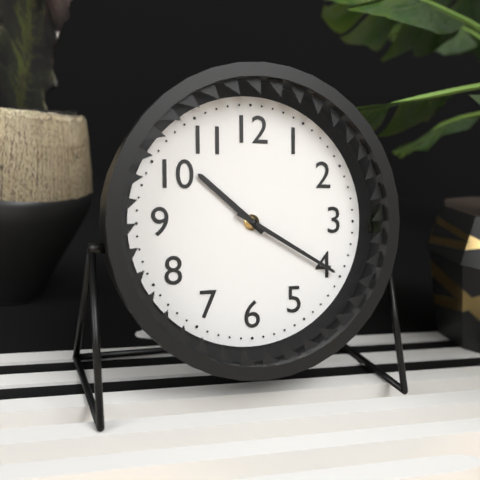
10:20
